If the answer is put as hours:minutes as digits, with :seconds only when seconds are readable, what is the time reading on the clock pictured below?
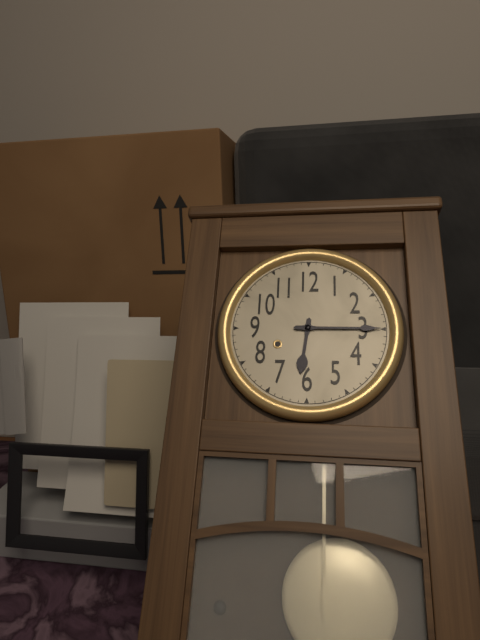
6:15
